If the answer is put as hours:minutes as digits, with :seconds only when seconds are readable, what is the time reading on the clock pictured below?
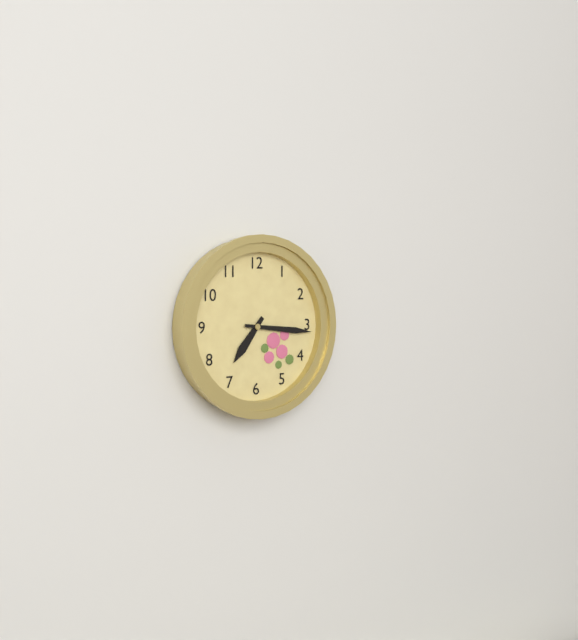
7:16
